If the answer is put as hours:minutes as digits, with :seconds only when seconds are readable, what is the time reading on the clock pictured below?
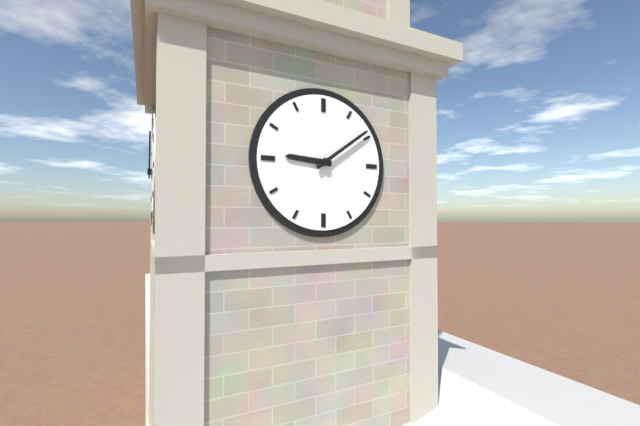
9:09
